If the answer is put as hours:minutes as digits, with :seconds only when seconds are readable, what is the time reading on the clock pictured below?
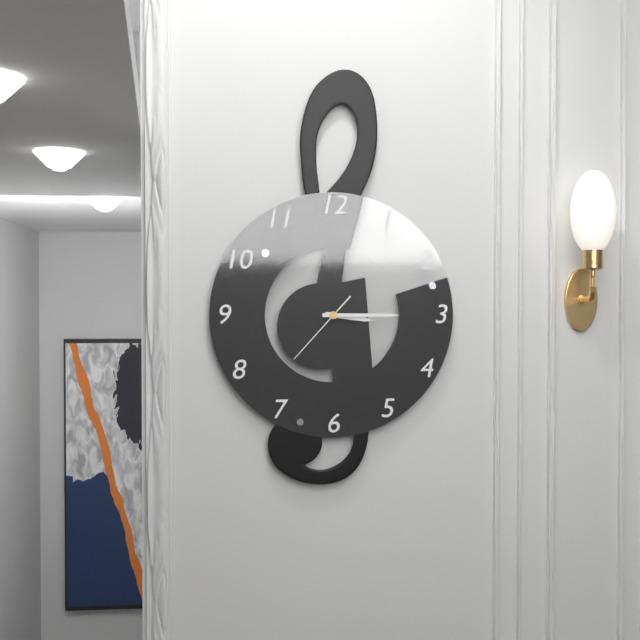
3:15:37
